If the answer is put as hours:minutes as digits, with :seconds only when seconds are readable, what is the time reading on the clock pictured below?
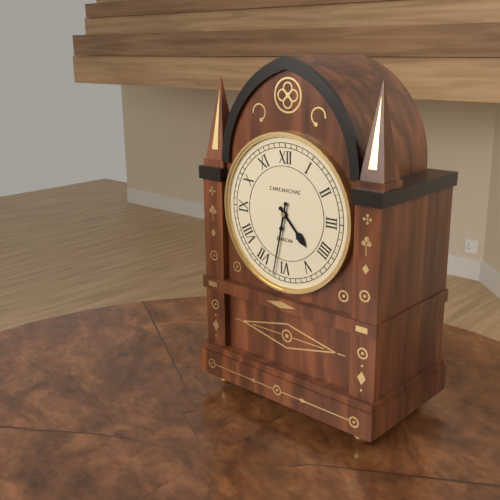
4:32
